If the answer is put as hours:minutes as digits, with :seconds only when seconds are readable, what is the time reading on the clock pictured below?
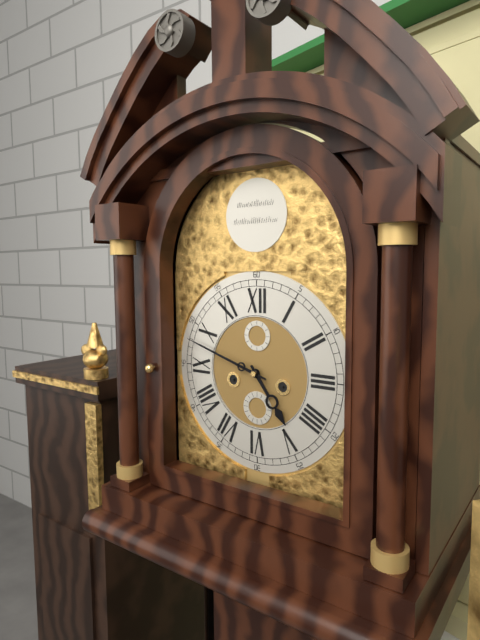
4:48
